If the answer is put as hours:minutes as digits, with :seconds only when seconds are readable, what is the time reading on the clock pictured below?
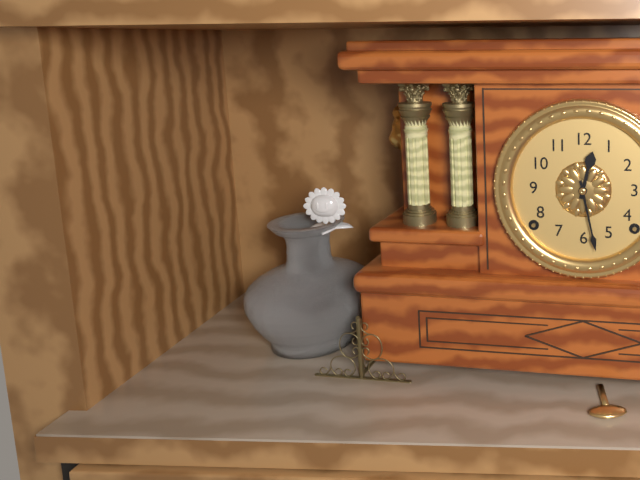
12:28
